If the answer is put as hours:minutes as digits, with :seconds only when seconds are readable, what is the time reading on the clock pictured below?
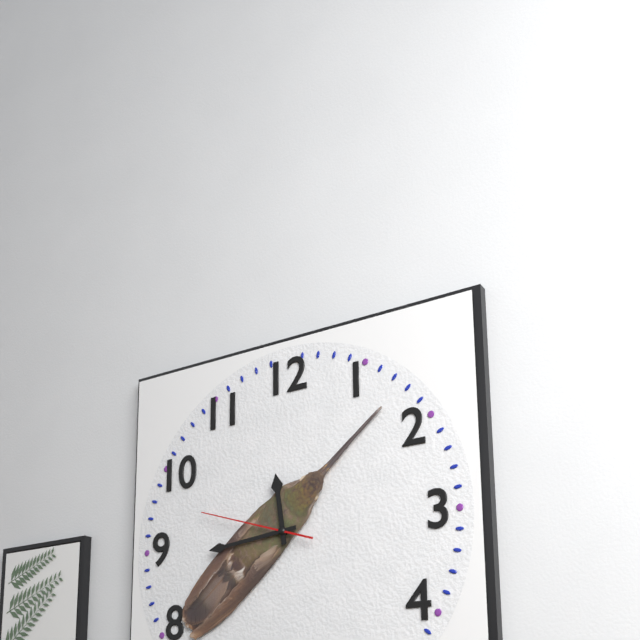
11:44:48
